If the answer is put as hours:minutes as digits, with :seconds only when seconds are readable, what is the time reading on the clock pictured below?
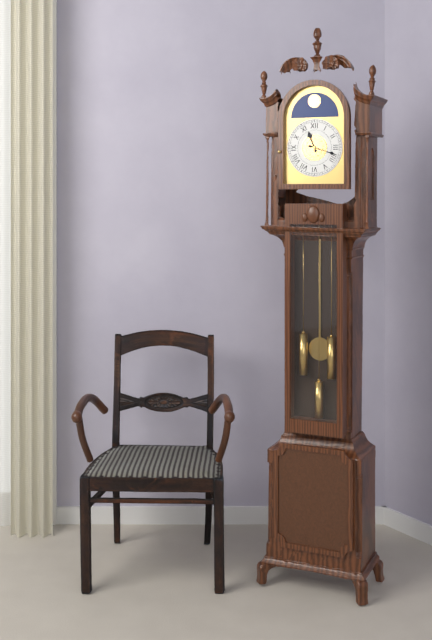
11:18
